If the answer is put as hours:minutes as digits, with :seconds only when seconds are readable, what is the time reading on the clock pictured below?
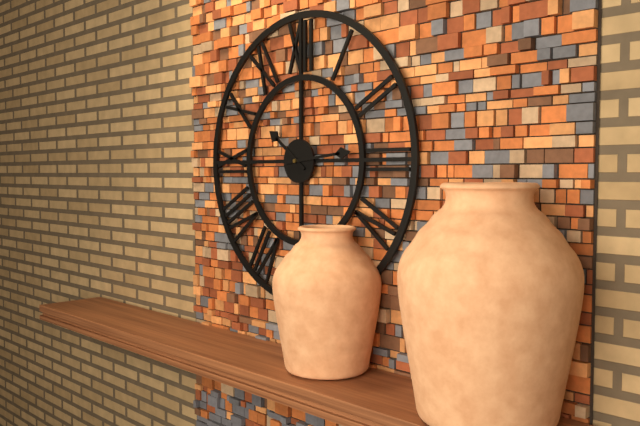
10:14
